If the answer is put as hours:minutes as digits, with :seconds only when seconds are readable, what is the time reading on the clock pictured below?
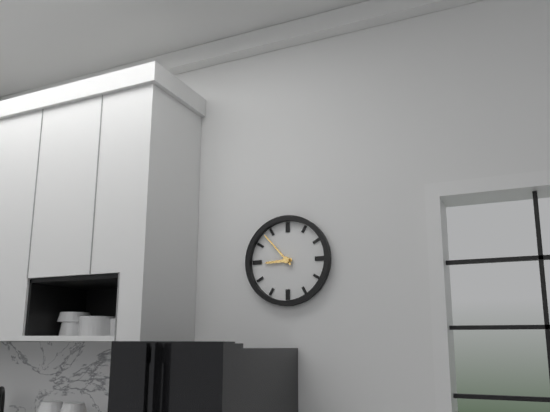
8:53
